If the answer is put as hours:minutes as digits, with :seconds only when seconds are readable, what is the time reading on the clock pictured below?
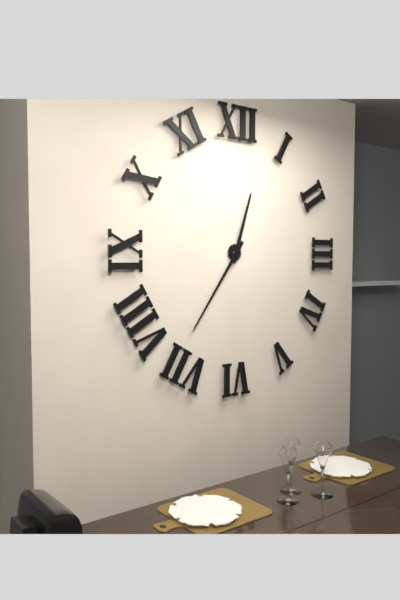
12:36
